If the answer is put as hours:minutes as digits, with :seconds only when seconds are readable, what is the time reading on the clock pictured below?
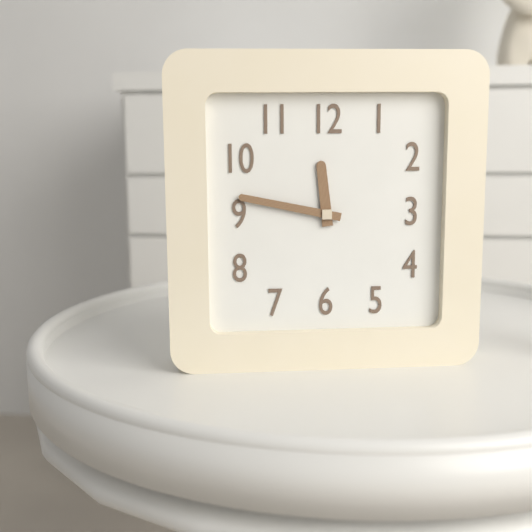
11:47
